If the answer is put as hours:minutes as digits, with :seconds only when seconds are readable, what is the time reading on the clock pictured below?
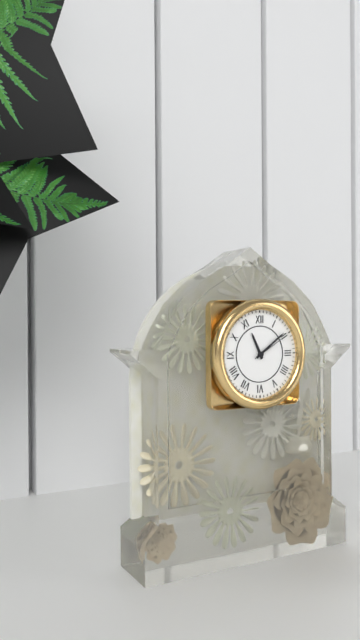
11:09
